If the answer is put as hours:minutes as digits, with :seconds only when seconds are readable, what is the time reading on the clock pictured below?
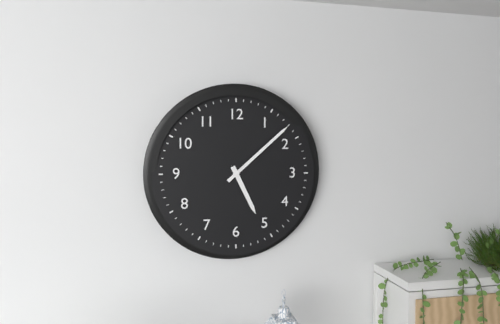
5:08
